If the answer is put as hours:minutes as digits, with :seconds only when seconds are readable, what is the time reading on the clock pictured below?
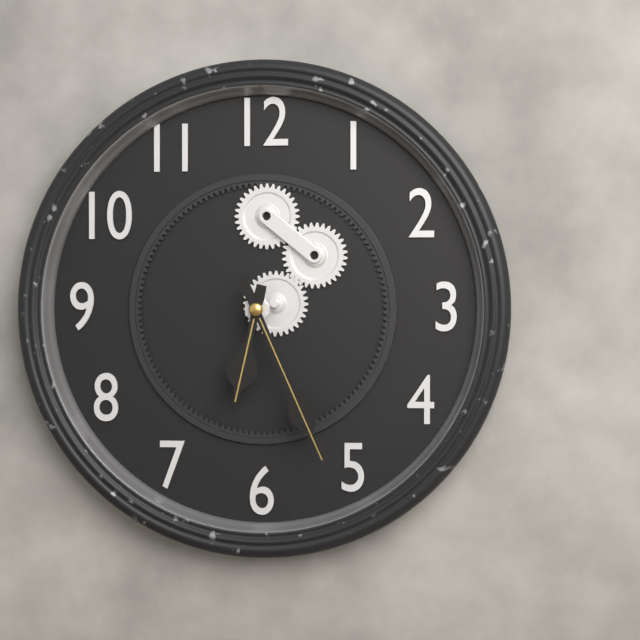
6:26
